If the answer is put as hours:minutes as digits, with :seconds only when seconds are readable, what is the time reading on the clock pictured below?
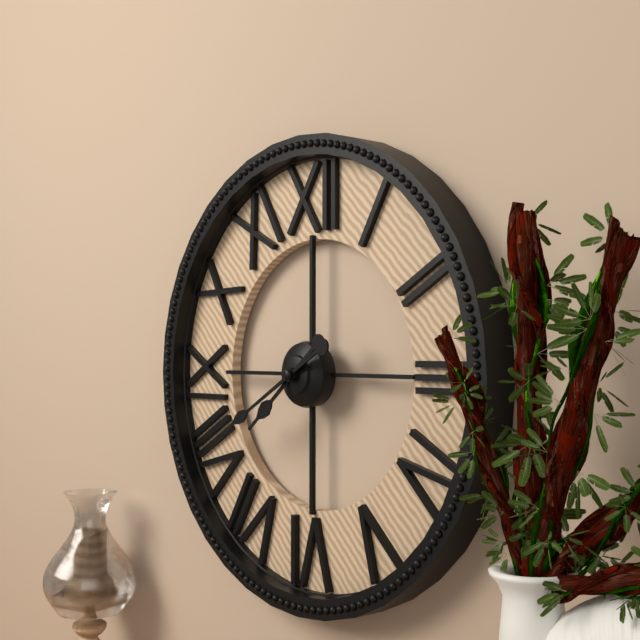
7:40
